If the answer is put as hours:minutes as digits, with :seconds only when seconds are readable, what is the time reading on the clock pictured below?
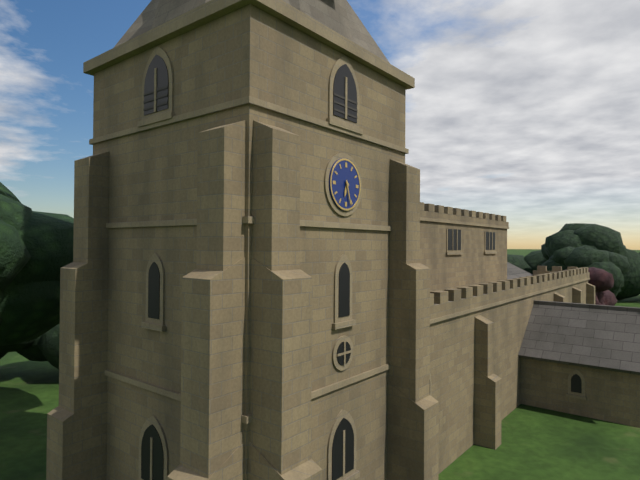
6:27
